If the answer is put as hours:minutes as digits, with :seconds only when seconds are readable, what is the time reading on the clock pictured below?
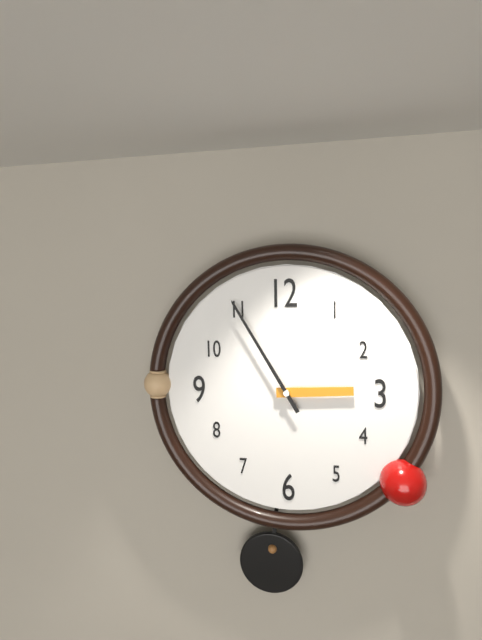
2:55
